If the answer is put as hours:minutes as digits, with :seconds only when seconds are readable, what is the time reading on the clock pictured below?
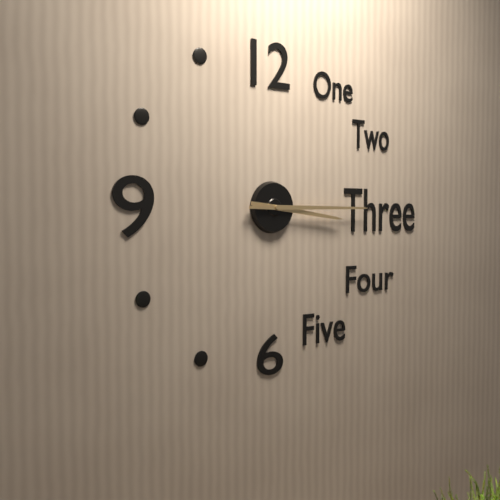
3:15
